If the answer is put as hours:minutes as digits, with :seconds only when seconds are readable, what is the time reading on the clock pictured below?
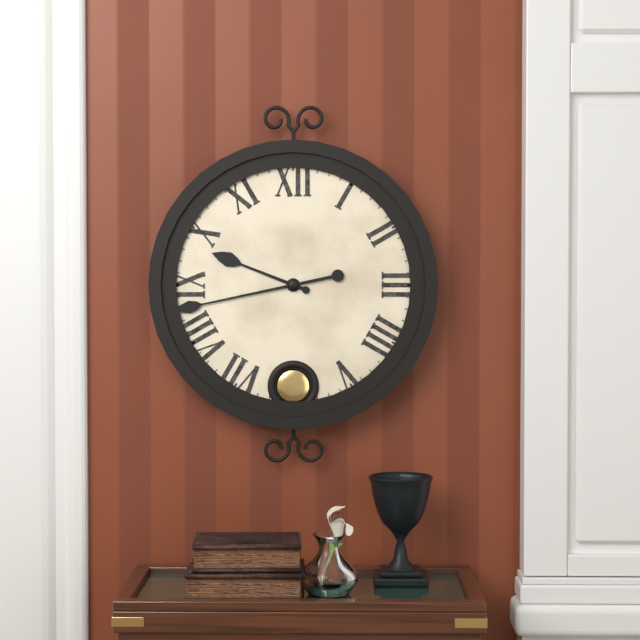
9:43
